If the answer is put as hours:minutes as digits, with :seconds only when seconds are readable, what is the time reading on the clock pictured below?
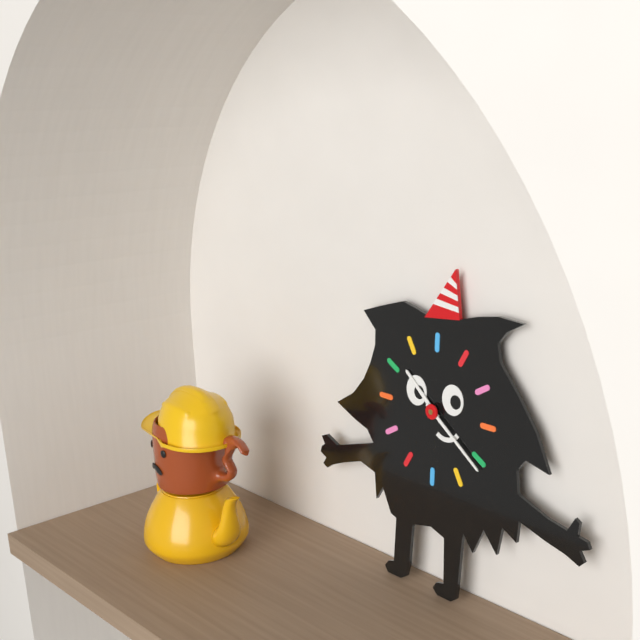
10:21
